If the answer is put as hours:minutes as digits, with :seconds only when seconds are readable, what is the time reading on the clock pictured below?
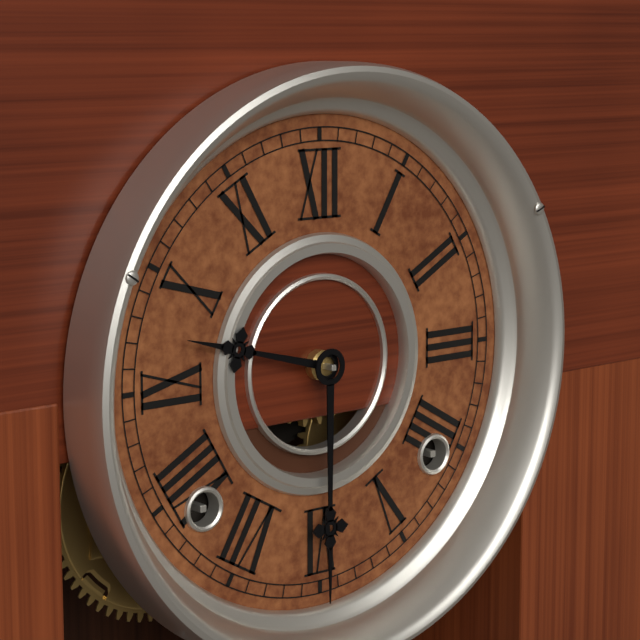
9:30
